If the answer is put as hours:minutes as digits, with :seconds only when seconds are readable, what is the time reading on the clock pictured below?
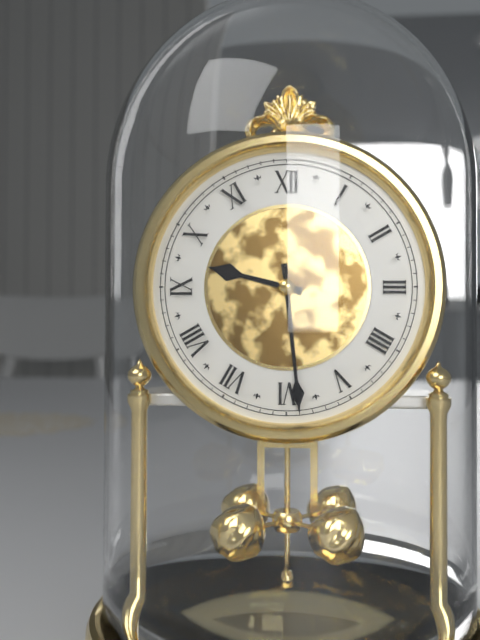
9:29
